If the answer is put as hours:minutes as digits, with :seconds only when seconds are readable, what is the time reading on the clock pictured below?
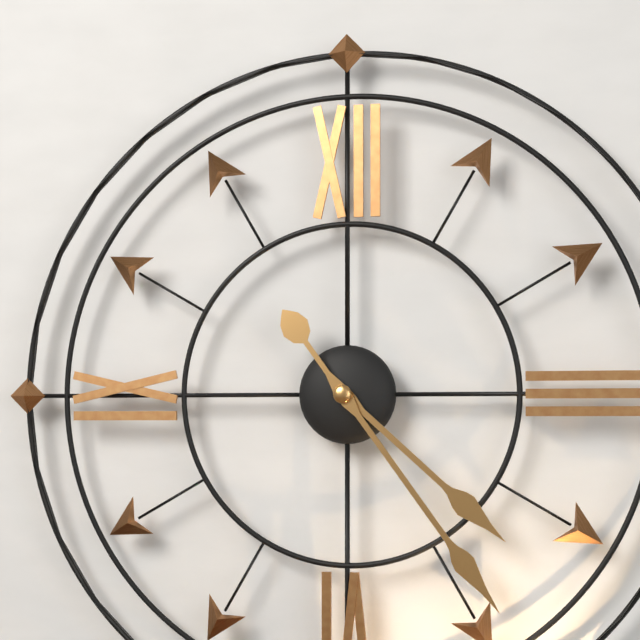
4:24
